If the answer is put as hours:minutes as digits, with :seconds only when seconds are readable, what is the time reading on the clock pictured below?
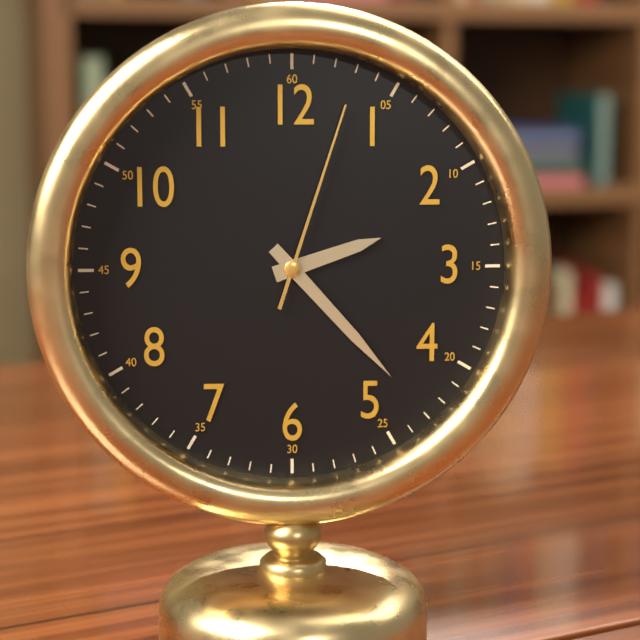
2:23:03
